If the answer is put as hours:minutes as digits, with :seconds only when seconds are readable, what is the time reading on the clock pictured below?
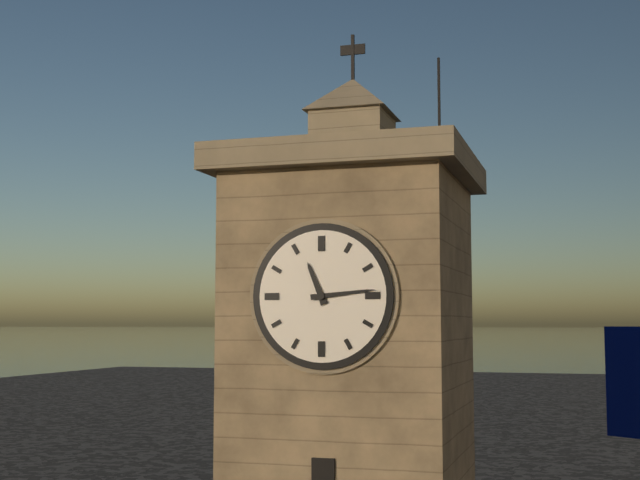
11:14
